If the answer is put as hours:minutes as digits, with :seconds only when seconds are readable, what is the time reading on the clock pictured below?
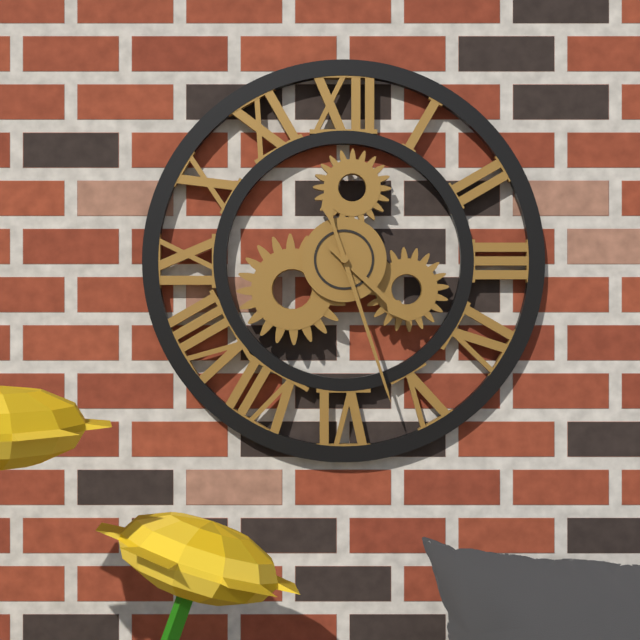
4:27
